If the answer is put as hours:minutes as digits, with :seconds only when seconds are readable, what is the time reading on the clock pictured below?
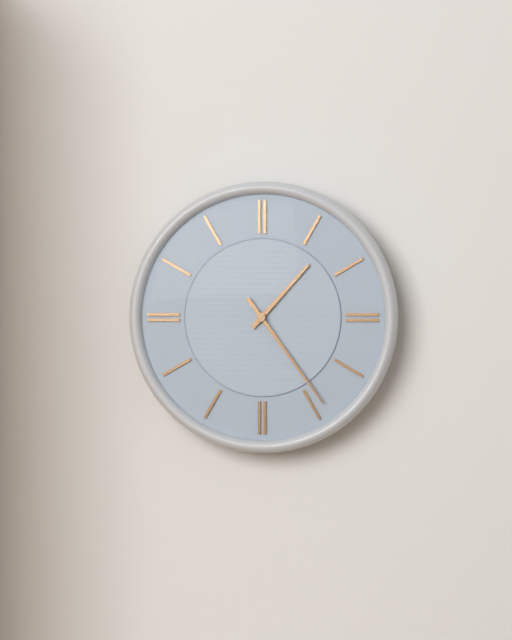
1:24
